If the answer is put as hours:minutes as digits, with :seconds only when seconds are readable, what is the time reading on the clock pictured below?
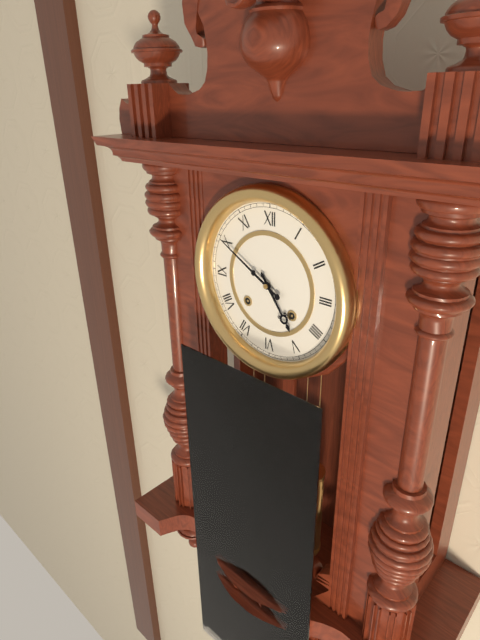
4:50
